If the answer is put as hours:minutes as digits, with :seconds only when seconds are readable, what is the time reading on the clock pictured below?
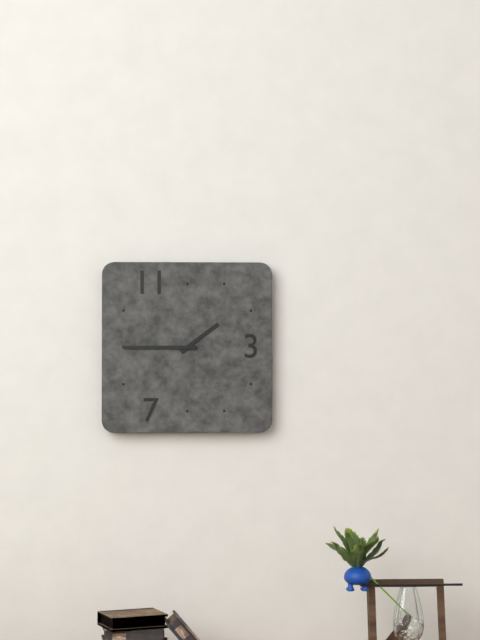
1:45
